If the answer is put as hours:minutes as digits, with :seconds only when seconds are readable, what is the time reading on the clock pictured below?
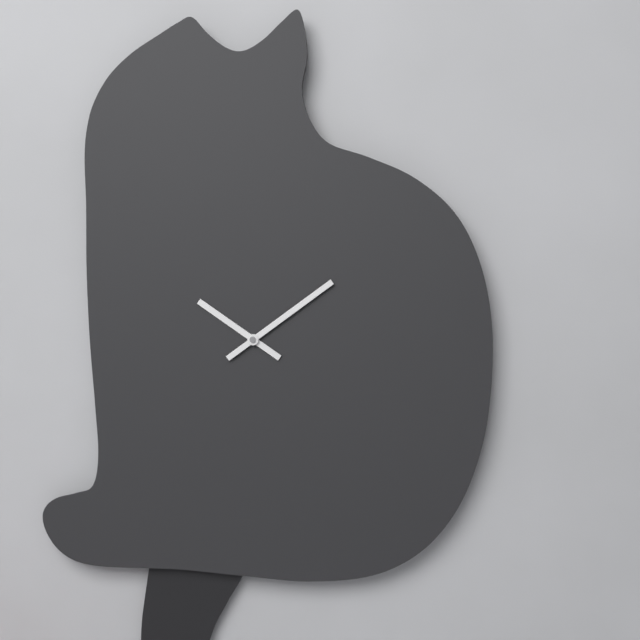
10:09
